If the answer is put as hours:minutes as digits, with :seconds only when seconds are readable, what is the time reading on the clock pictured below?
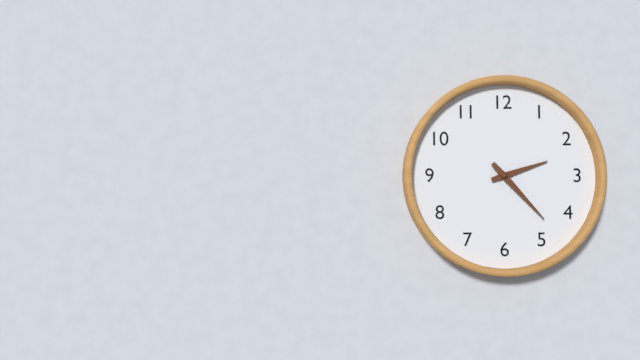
2:23
